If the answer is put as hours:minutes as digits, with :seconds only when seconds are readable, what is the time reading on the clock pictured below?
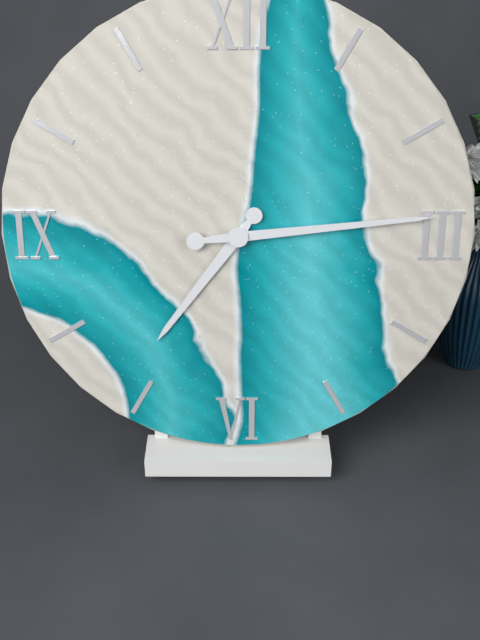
7:14
